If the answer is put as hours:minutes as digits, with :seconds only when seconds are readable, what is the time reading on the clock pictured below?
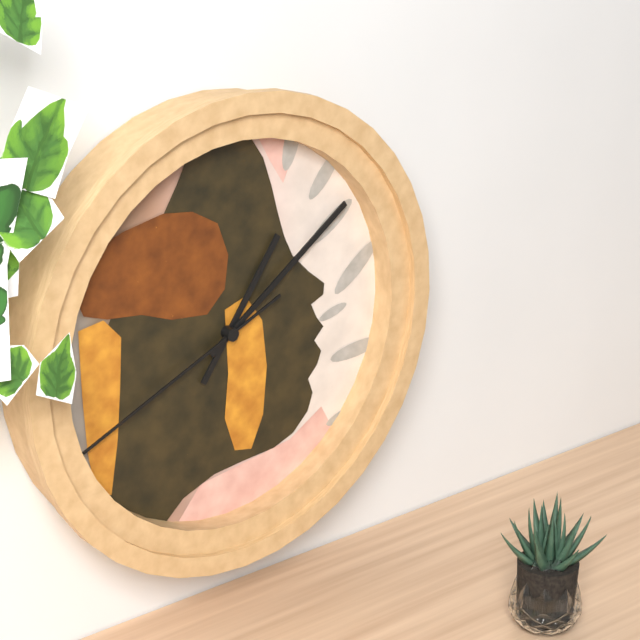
1:09:41
